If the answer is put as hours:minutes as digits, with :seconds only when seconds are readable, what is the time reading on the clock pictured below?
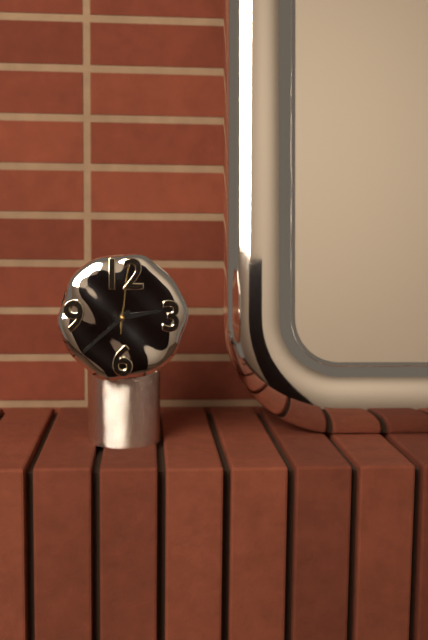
2:38:01
